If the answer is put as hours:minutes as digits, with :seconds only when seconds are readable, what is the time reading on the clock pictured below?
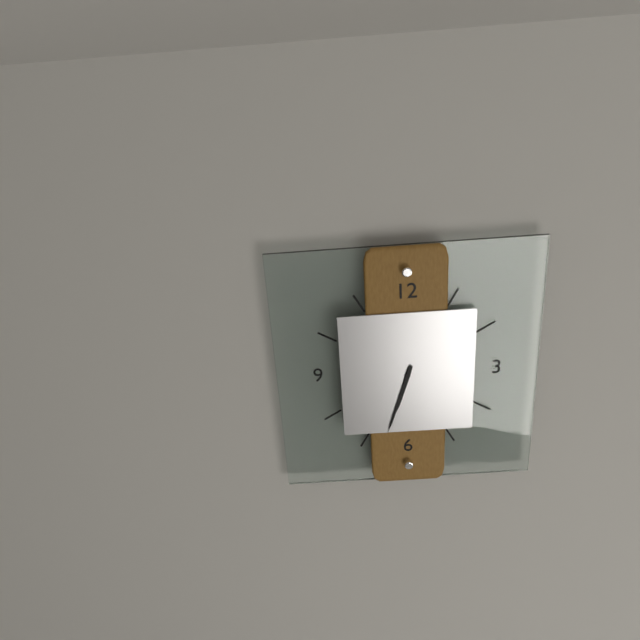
6:33
